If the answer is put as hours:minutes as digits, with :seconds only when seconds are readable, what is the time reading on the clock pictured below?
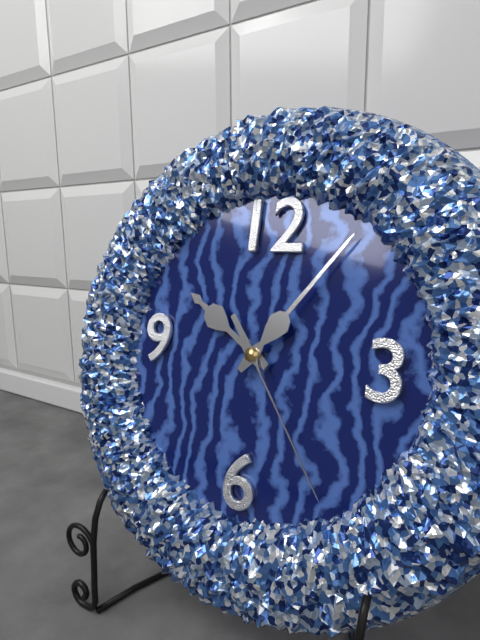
10:06:24
